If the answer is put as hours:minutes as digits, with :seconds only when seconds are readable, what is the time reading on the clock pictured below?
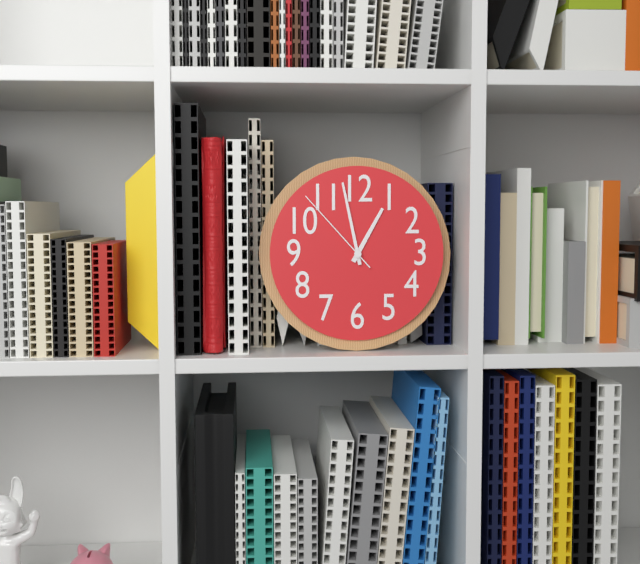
12:58:53
